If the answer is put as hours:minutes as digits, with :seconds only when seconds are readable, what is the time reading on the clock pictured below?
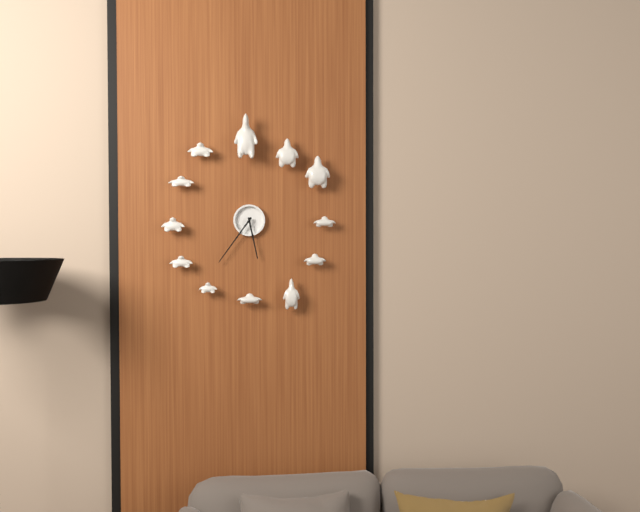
5:36
